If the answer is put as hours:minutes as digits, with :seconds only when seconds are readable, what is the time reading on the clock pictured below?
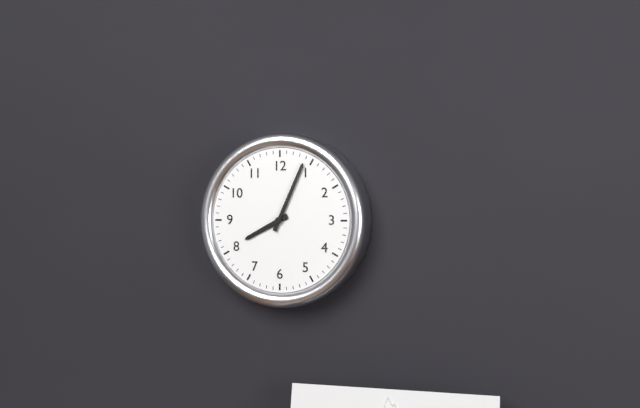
8:04
